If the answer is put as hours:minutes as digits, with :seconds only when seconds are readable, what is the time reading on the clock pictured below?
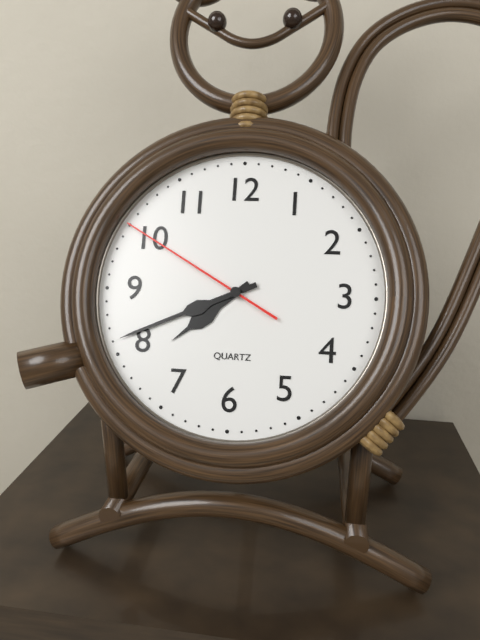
7:41:50
